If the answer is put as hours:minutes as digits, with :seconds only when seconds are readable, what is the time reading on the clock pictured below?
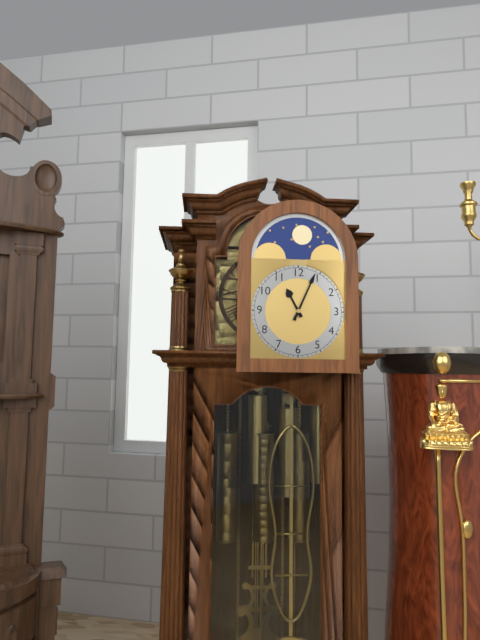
11:04
